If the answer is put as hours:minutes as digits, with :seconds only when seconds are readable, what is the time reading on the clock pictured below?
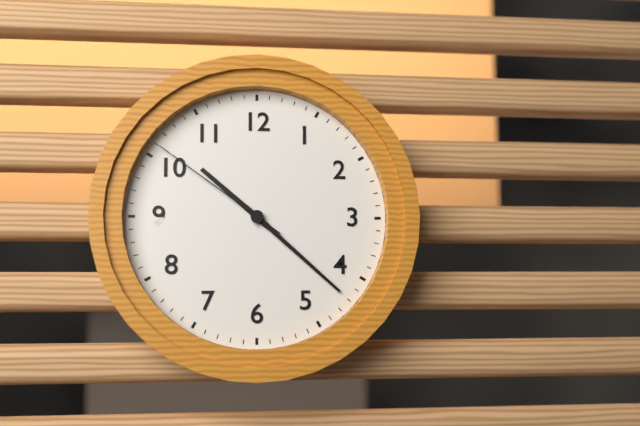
10:22:51
